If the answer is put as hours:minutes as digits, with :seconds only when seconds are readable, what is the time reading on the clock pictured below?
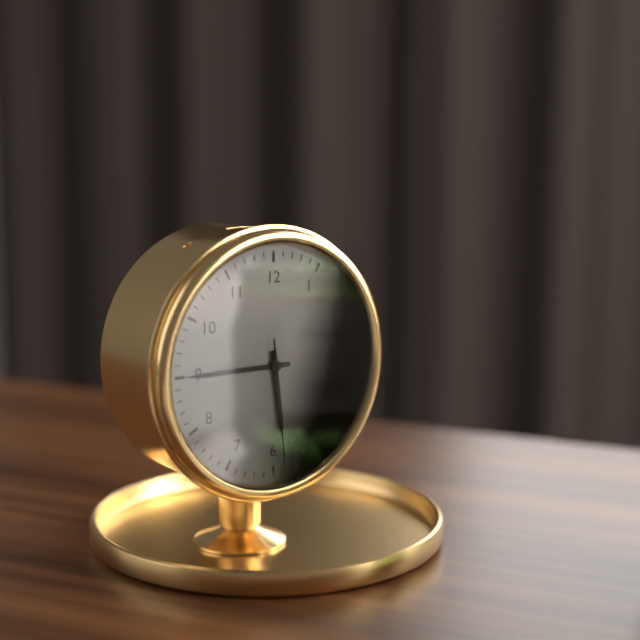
5:45:29
